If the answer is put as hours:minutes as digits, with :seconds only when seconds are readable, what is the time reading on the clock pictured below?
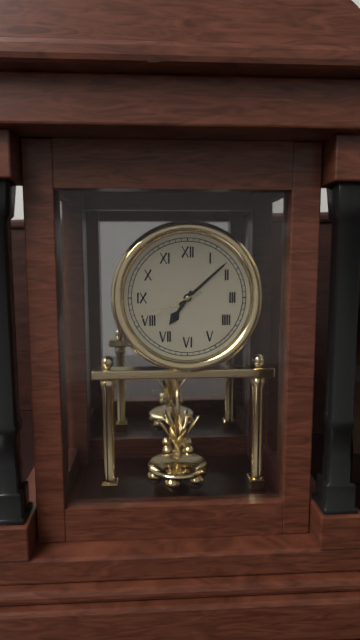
7:08:41
